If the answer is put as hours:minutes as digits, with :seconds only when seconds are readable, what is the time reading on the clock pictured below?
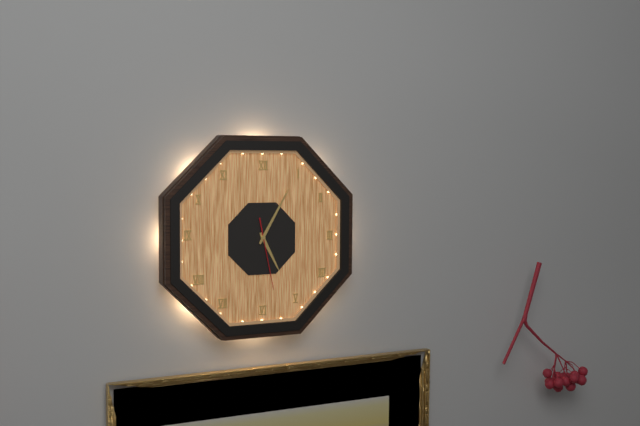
5:05:28
